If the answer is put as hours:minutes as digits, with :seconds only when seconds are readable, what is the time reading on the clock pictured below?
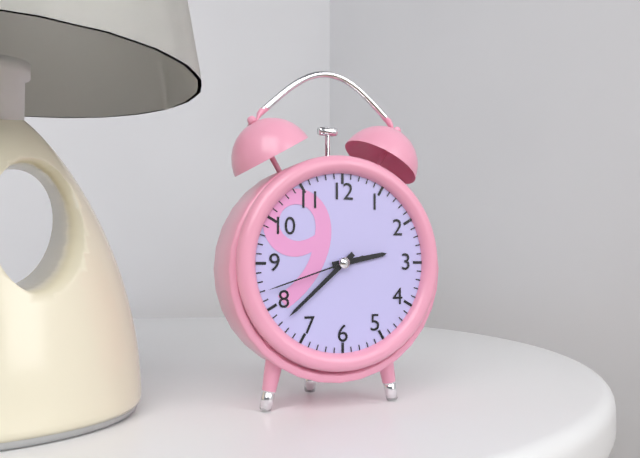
2:38:42
